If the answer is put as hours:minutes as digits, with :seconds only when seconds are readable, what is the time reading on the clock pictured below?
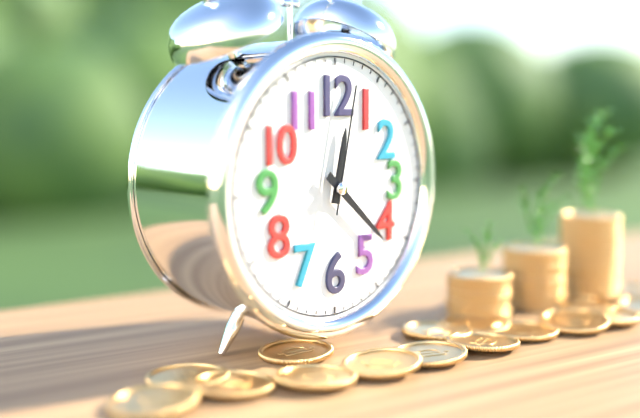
12:22:02
